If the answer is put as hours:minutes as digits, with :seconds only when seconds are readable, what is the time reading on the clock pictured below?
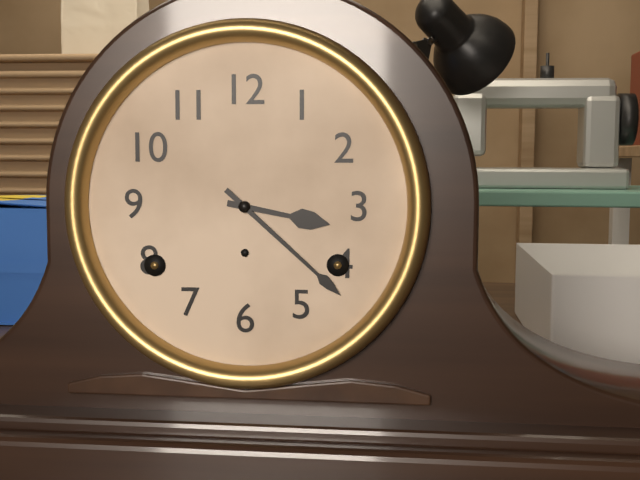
3:22
